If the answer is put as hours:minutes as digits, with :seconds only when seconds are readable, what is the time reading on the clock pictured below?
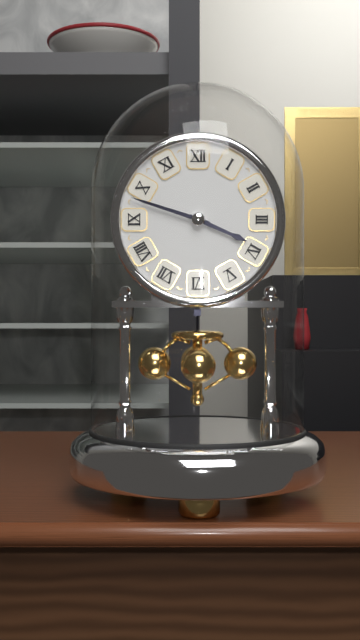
3:48
